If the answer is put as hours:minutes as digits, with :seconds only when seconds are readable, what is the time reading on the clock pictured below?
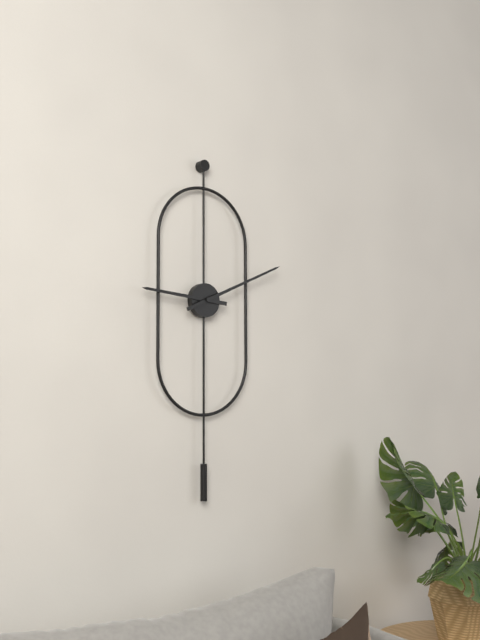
9:11
